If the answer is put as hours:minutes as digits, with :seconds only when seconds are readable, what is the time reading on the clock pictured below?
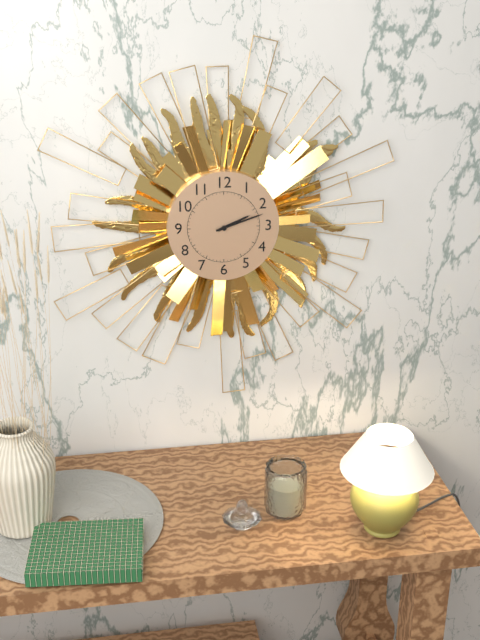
2:12
